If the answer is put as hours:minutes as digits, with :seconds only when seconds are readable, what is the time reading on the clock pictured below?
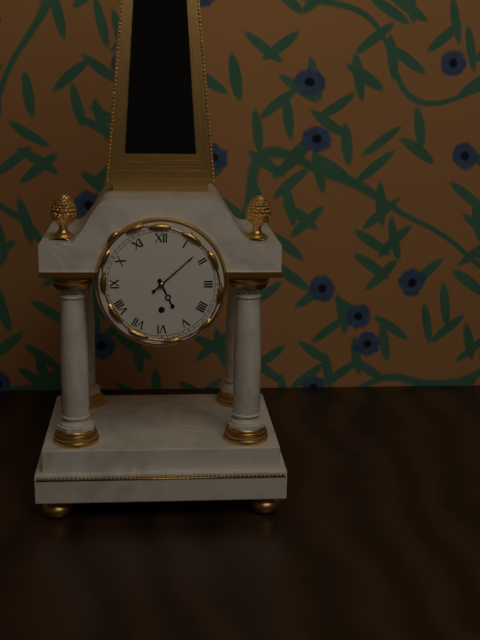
5:08
